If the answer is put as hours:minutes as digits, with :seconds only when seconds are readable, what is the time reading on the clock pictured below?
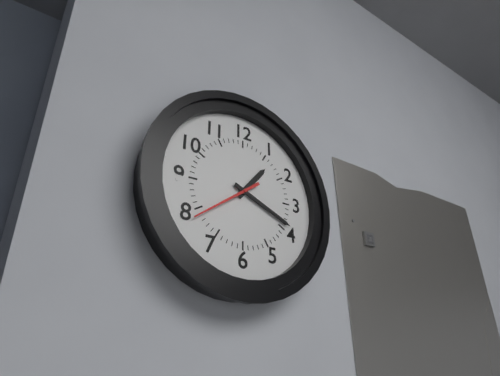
1:19:39
